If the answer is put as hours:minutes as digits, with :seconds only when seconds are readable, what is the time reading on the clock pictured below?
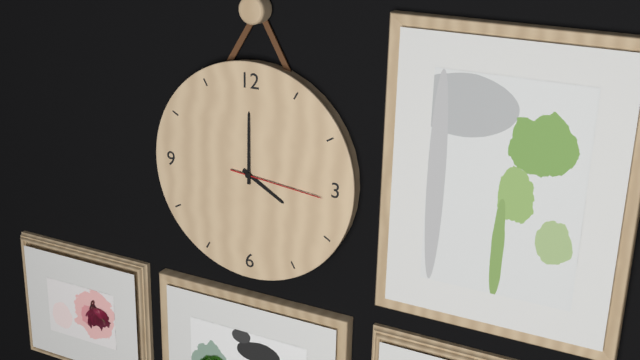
4:00:16
